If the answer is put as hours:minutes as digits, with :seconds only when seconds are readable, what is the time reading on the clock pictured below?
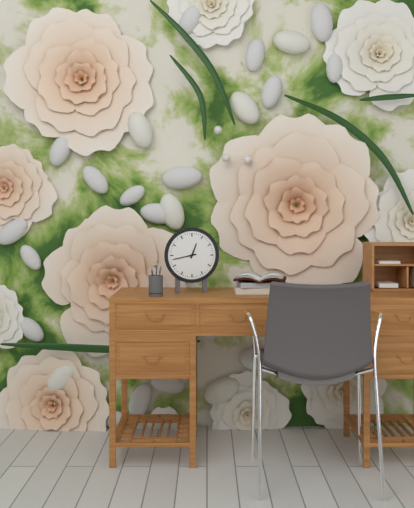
12:43
